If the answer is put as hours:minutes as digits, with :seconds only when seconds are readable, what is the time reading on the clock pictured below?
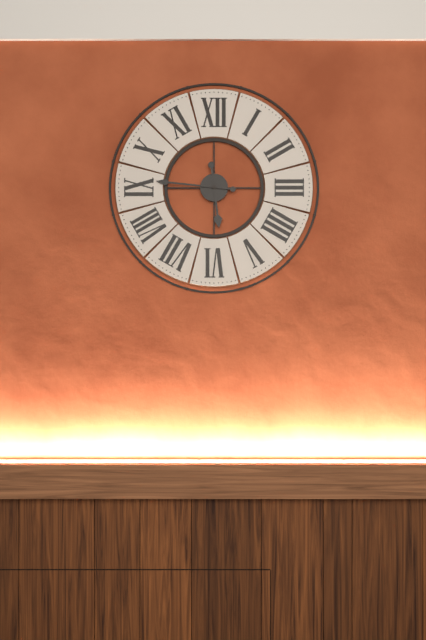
5:46
